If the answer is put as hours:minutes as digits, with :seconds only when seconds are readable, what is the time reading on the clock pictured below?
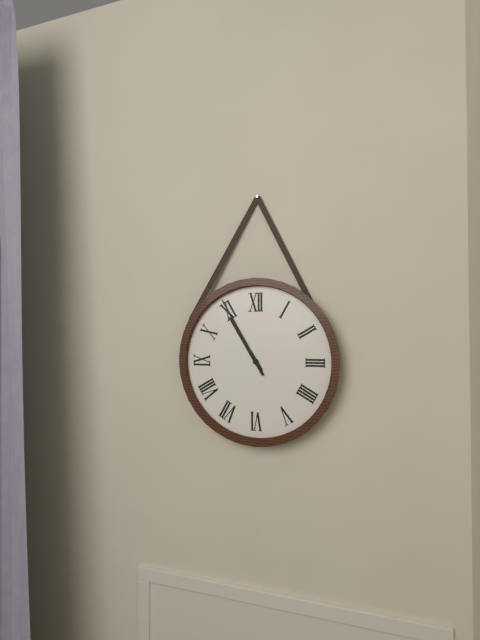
10:55
